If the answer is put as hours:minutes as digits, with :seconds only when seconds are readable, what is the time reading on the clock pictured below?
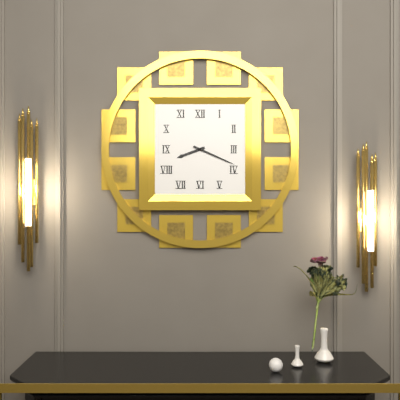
8:19
